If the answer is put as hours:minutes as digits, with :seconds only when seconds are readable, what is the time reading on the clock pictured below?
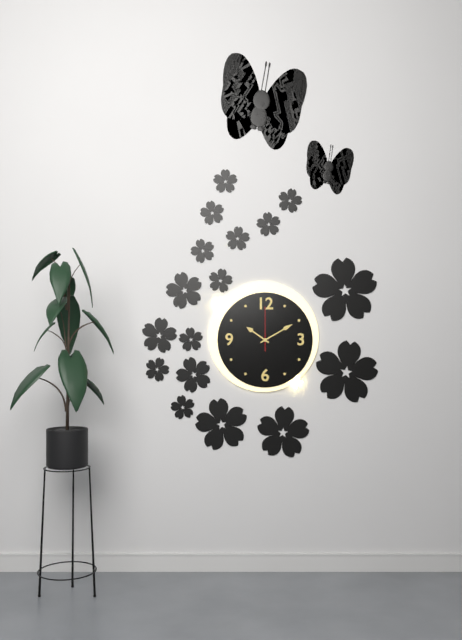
10:10
